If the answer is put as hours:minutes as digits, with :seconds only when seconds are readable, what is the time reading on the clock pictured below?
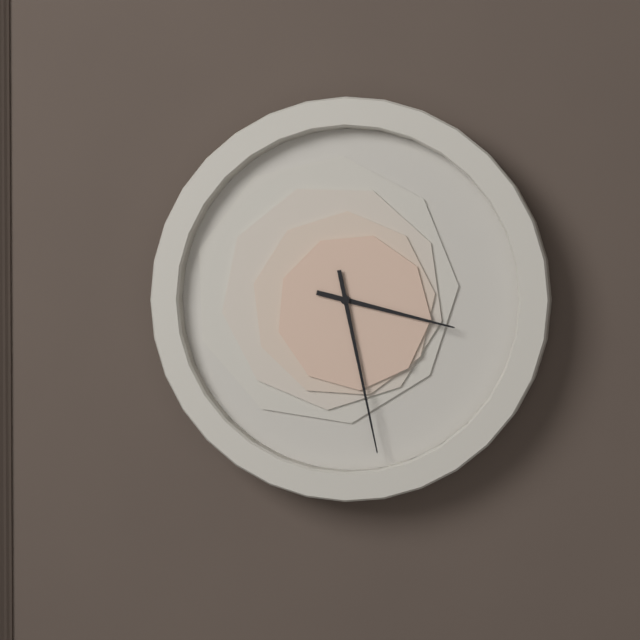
3:28
